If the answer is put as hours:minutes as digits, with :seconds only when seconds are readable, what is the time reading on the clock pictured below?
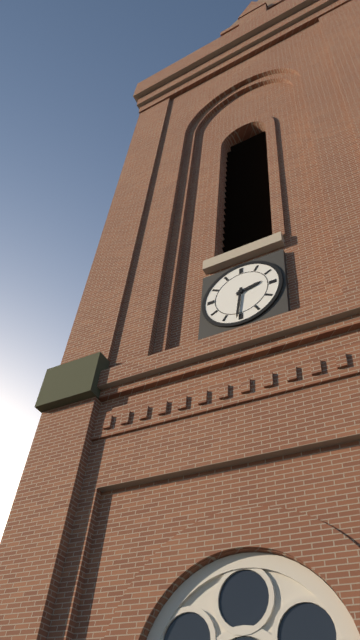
2:31
